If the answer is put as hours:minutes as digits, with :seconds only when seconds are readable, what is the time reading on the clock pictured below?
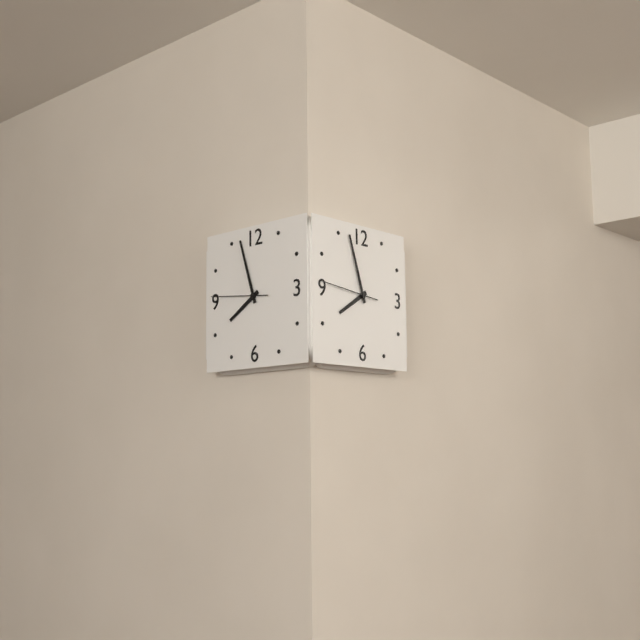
7:57:46
